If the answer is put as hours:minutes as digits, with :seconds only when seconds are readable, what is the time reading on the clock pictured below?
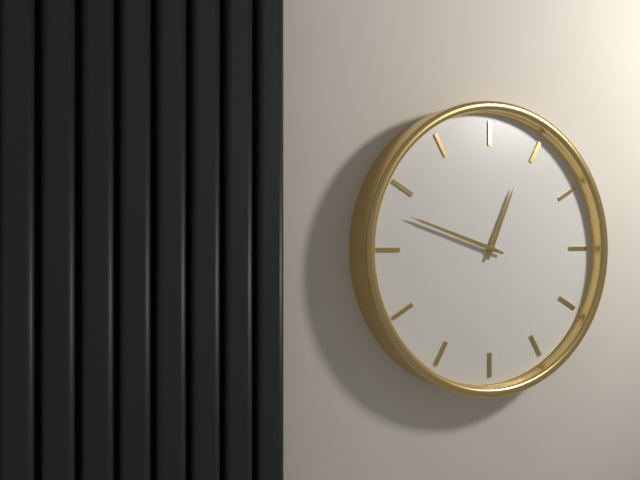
12:48
